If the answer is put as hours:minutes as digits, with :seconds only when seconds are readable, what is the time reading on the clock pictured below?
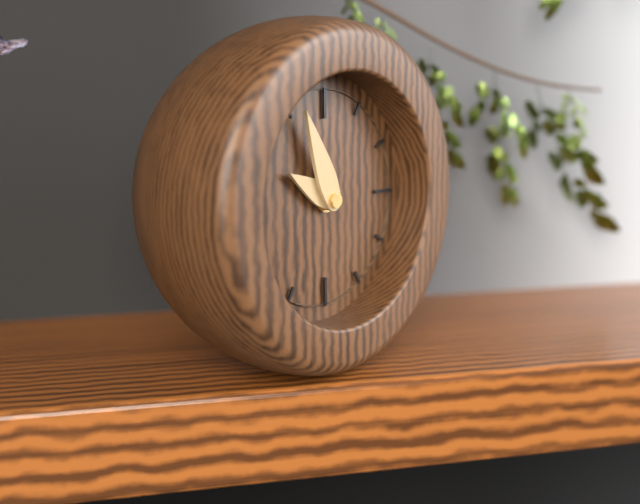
9:56
